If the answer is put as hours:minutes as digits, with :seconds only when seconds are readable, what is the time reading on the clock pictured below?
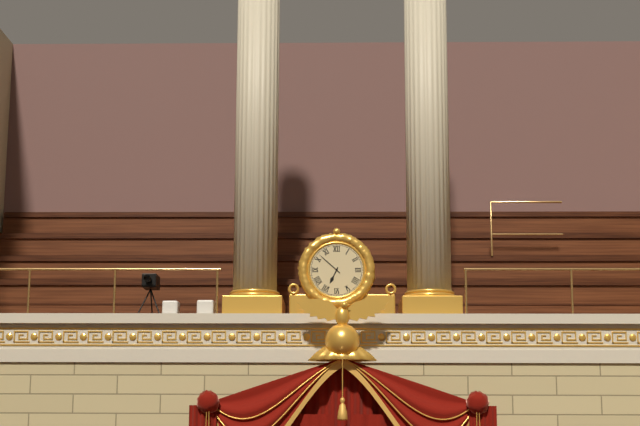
6:52
